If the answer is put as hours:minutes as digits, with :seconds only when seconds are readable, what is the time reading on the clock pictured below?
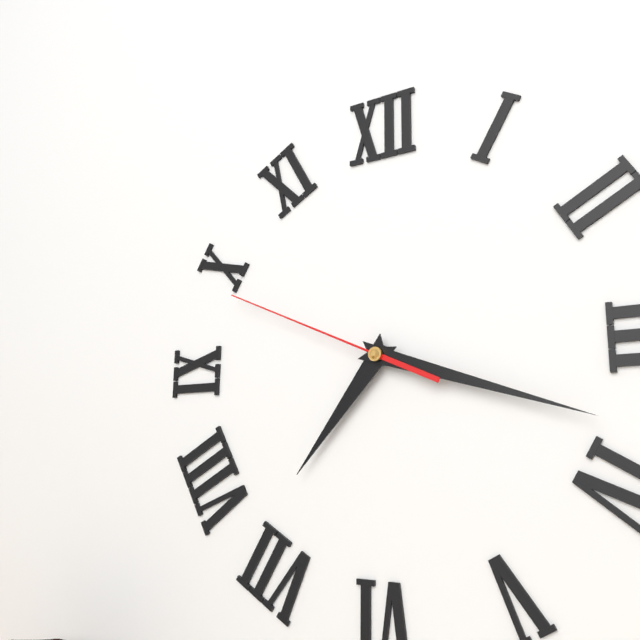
7:18:49
